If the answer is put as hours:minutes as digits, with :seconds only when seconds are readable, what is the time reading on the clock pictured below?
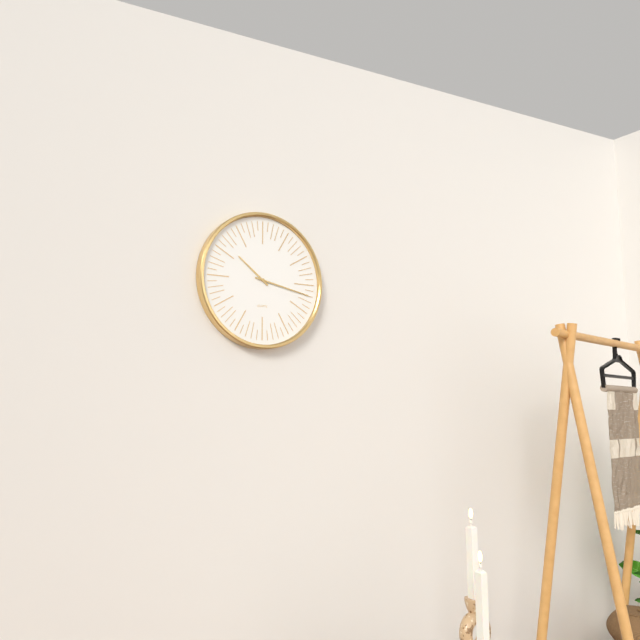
10:17
